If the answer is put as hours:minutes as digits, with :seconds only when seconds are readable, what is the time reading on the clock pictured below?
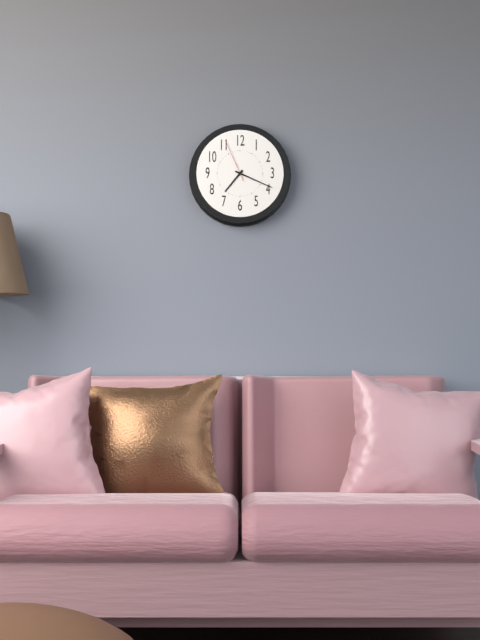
7:19
